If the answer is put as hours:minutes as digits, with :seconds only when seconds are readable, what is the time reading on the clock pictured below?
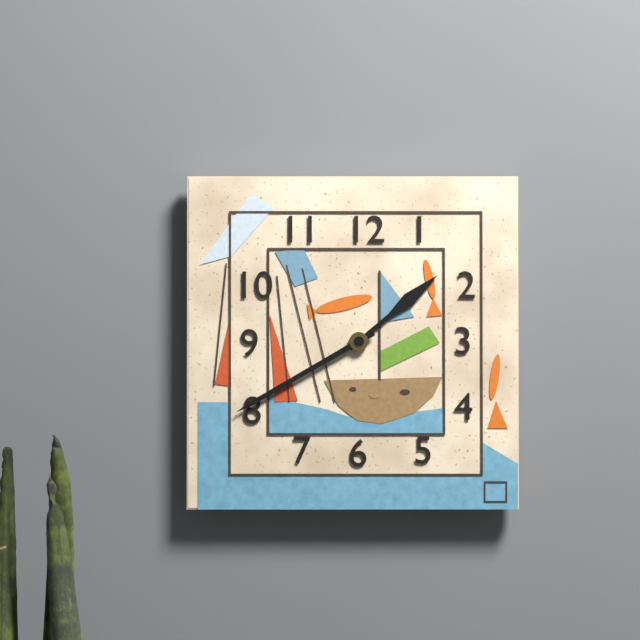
1:40
